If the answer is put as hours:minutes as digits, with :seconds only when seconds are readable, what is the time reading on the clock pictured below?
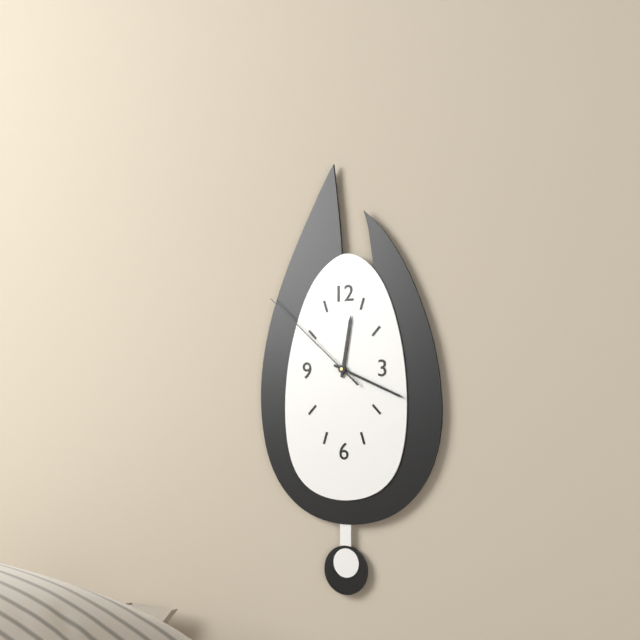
12:19:52
